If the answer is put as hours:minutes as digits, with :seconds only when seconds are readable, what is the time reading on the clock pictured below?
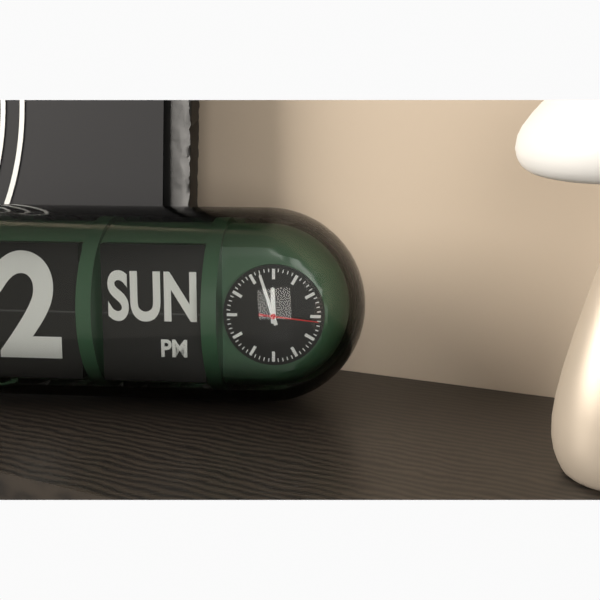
11:57:16
